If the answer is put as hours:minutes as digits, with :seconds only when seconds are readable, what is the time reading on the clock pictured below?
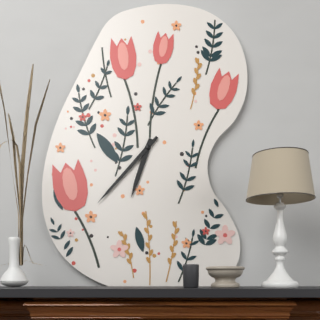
6:37
